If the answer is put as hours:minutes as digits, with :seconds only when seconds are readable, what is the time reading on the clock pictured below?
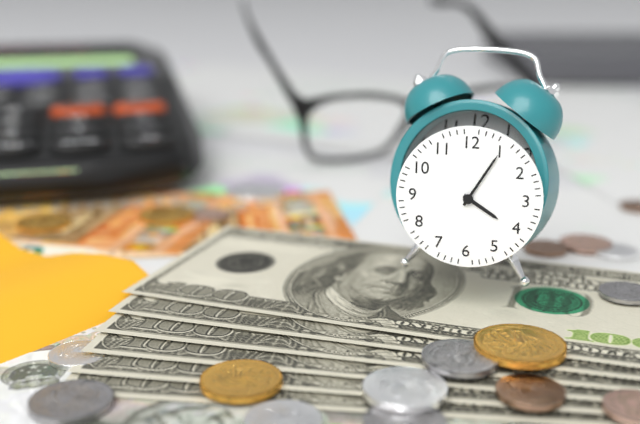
4:05
